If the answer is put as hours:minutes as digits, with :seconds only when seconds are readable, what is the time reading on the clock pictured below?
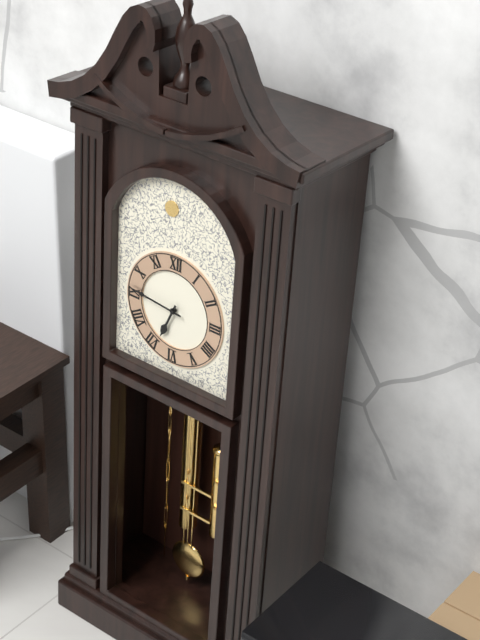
6:46
